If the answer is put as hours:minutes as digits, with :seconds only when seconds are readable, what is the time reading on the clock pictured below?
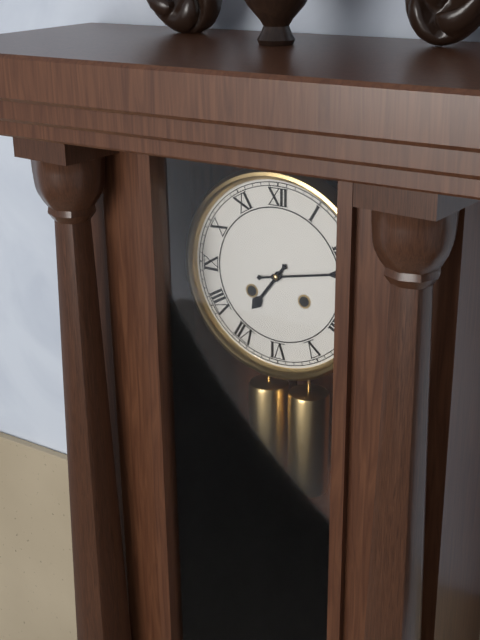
7:13
